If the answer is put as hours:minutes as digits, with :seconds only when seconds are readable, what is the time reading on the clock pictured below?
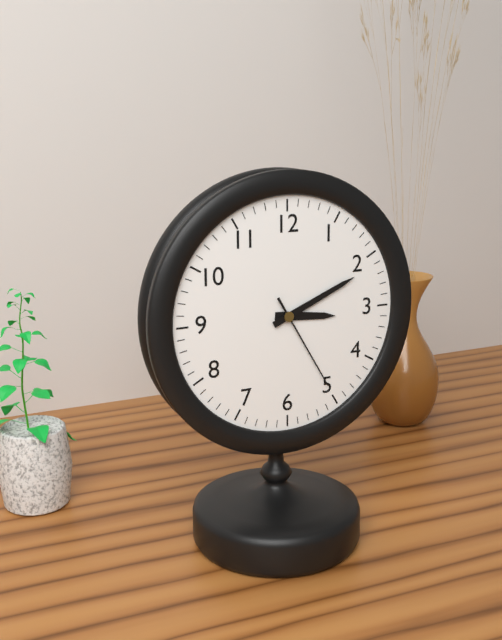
3:11:25
